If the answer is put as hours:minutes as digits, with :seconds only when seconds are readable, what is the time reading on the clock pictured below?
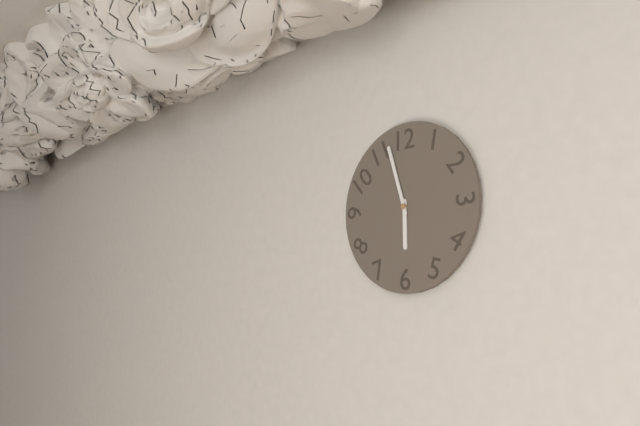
5:57
